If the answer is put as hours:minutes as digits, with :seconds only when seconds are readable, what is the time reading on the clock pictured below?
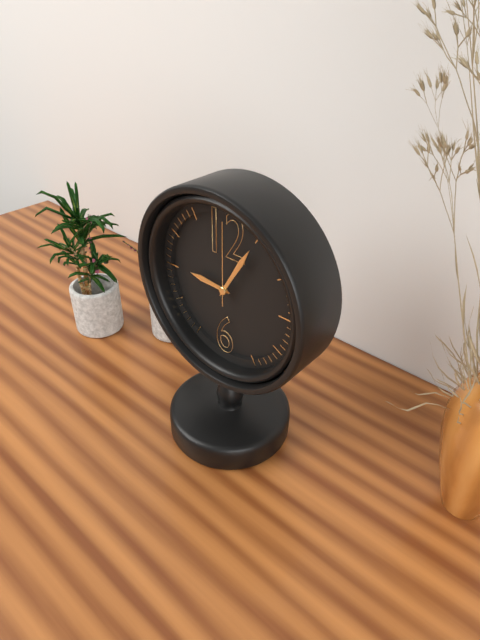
9:05:00
